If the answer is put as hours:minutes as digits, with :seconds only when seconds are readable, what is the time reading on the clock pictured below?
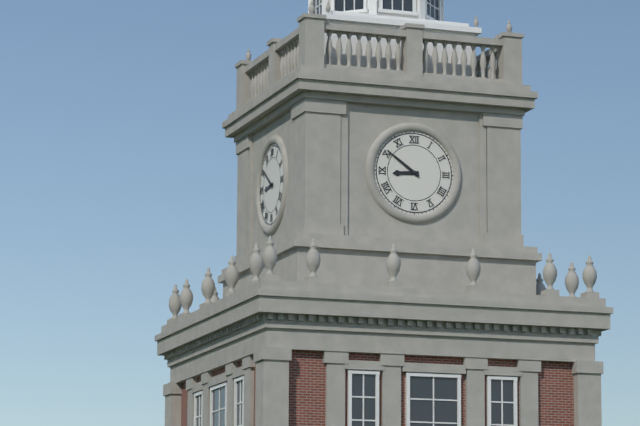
8:51
